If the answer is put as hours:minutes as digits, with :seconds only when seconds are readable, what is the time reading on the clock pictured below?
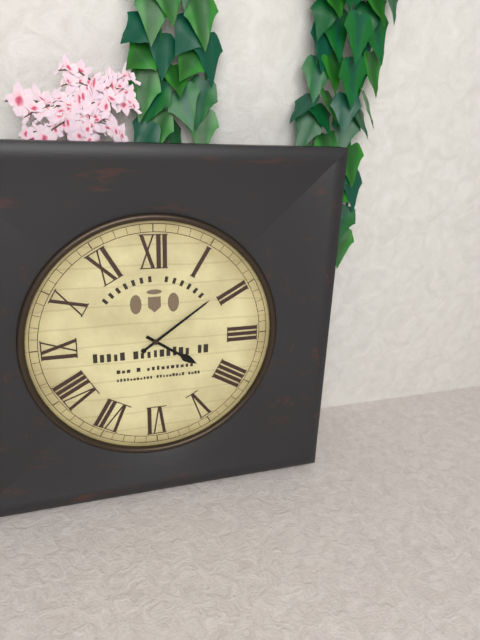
4:09
